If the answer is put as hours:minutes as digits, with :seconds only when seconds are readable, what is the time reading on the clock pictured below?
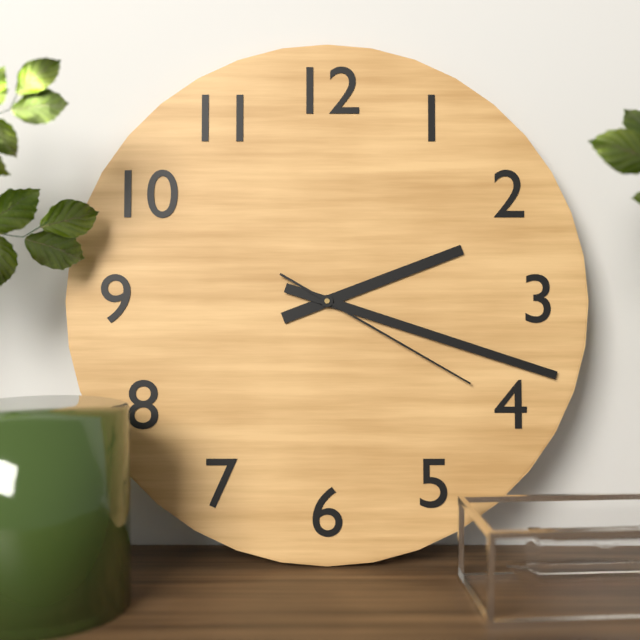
2:18:20
